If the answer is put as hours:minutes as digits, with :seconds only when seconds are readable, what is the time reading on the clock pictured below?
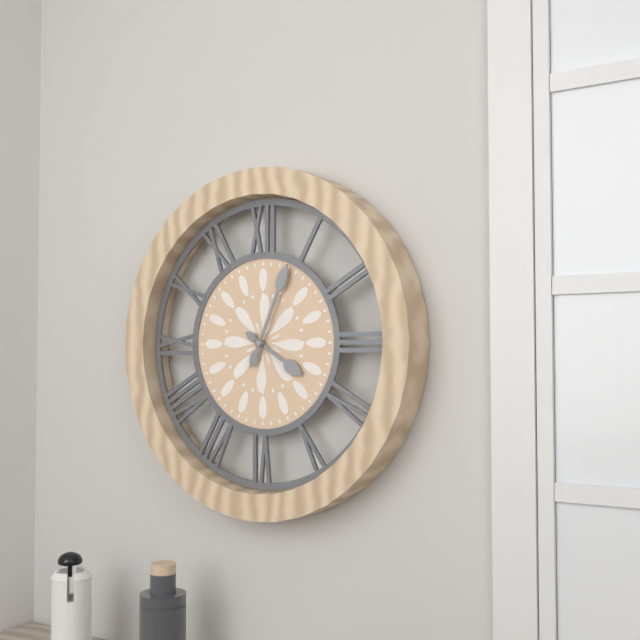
4:04
